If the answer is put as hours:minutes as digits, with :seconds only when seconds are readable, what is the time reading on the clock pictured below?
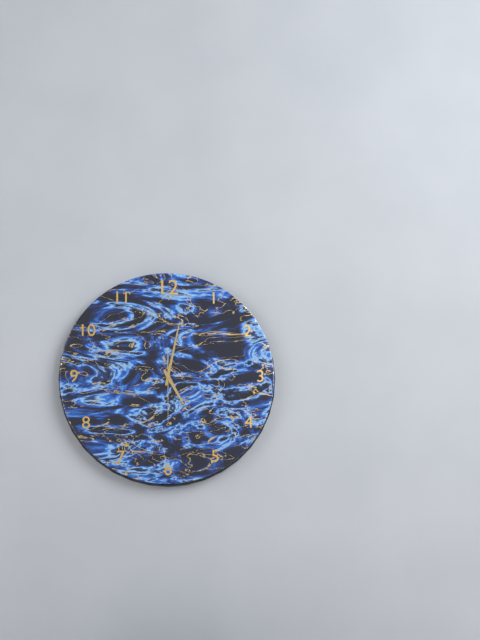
5:02:30
